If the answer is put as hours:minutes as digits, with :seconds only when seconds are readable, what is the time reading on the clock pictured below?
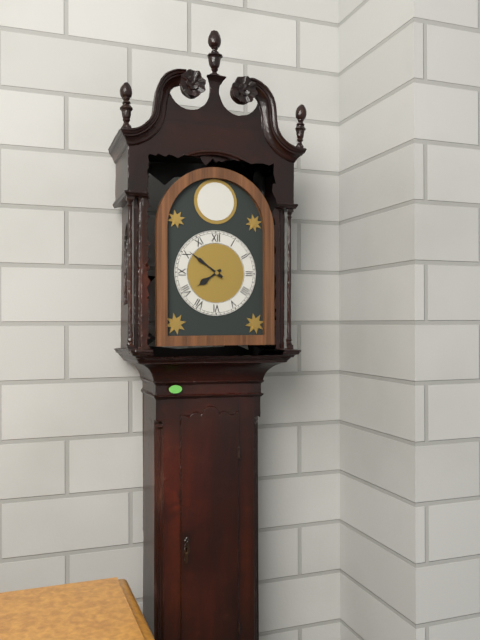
7:51
